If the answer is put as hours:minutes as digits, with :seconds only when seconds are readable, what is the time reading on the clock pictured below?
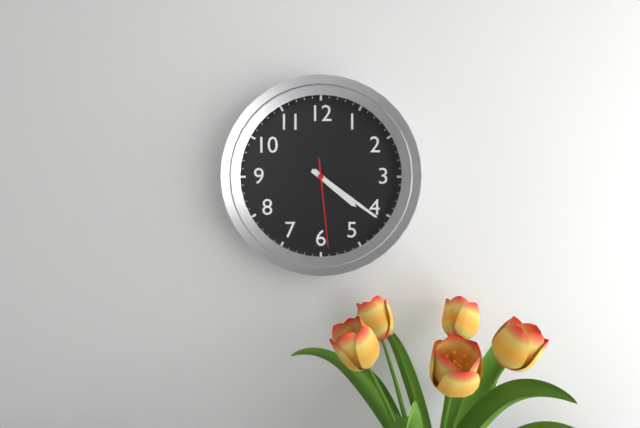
4:21:29
